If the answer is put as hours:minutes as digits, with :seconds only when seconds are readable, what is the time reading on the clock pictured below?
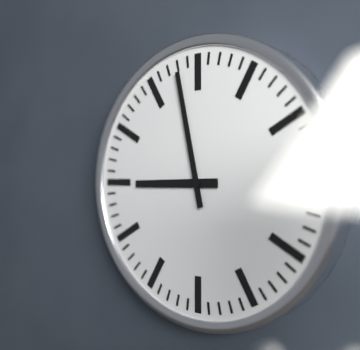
8:58
